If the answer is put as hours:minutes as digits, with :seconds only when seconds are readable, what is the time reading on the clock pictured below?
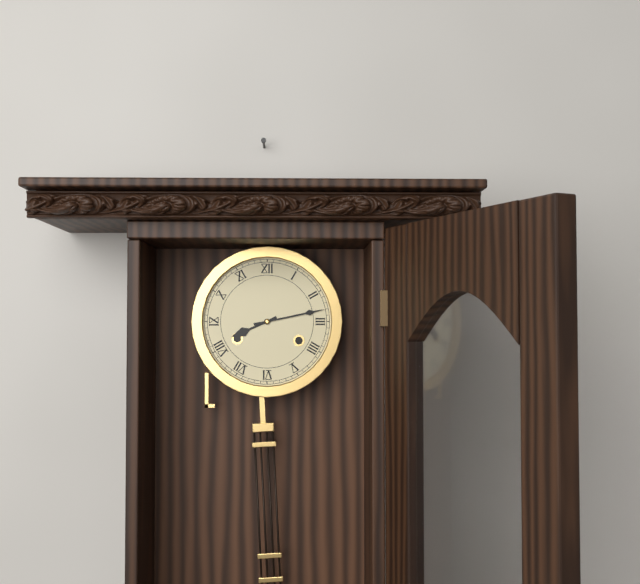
8:13
